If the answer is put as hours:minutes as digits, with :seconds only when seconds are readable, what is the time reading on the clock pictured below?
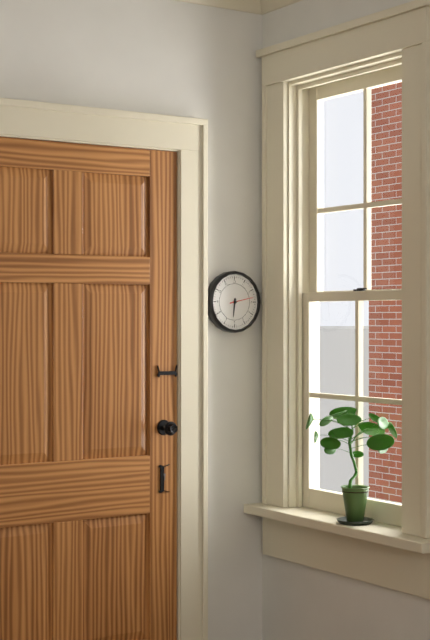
6:13
